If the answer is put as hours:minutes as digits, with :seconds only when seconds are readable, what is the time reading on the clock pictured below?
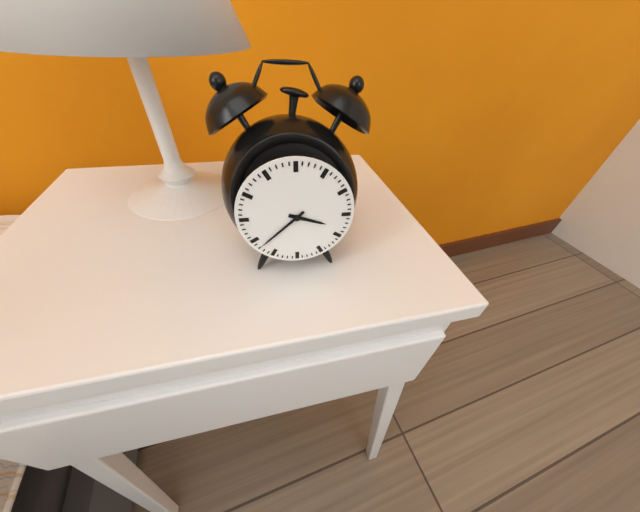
3:38
